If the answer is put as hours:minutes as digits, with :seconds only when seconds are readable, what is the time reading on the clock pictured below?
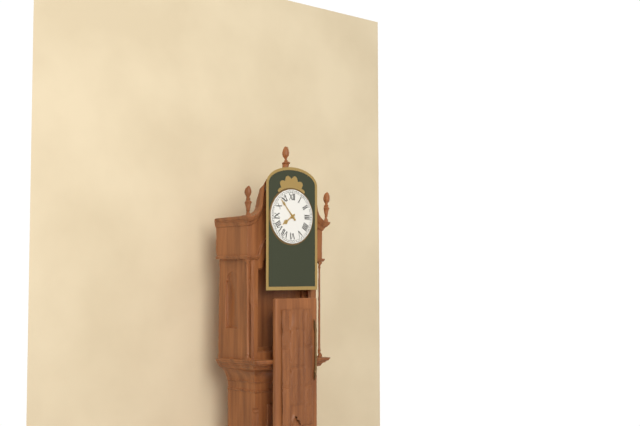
7:53
